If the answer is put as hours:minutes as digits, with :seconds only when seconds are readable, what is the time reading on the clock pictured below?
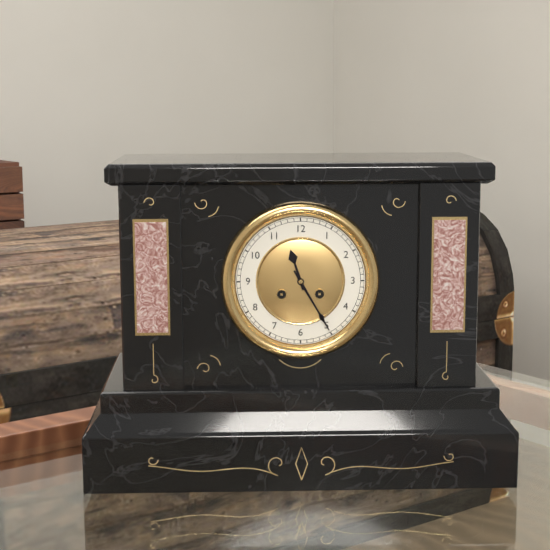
11:25
